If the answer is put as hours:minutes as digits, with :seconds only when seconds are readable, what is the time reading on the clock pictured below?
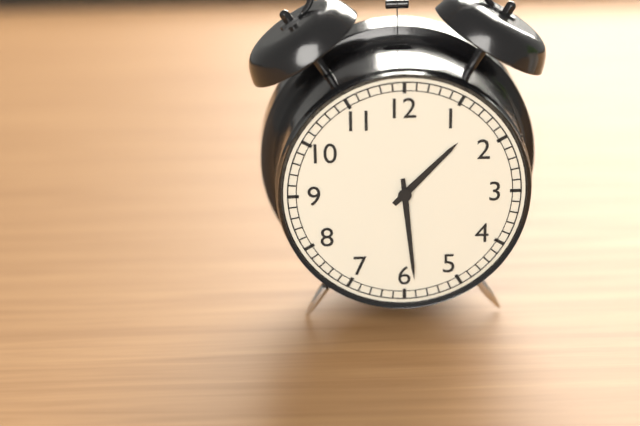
1:29
